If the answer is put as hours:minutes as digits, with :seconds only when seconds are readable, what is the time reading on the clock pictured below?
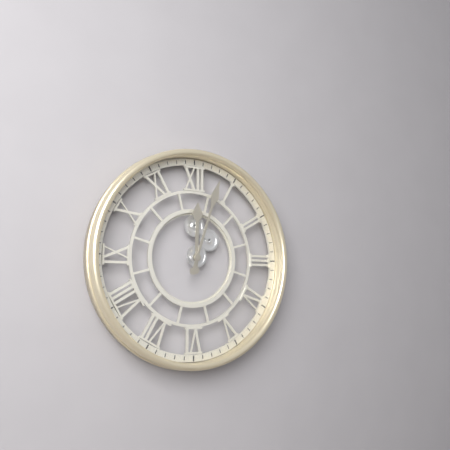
12:03
